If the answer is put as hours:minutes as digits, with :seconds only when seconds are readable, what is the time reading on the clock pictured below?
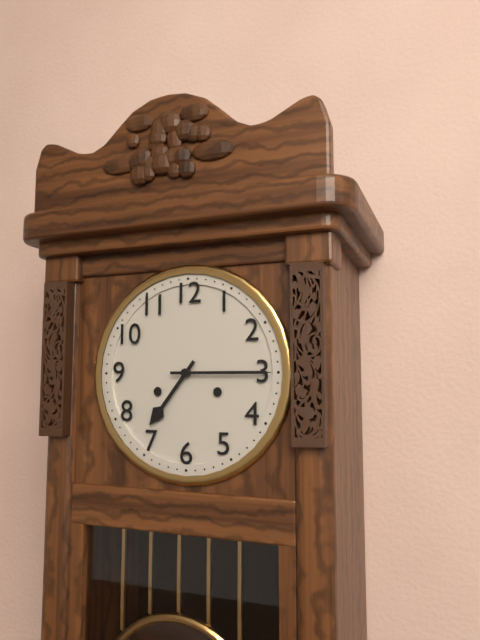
7:15
